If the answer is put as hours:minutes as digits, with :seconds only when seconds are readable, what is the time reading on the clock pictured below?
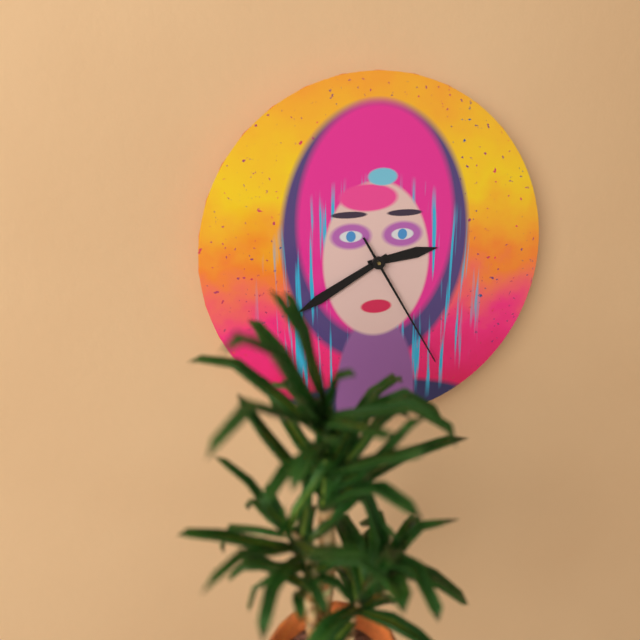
2:40:25
